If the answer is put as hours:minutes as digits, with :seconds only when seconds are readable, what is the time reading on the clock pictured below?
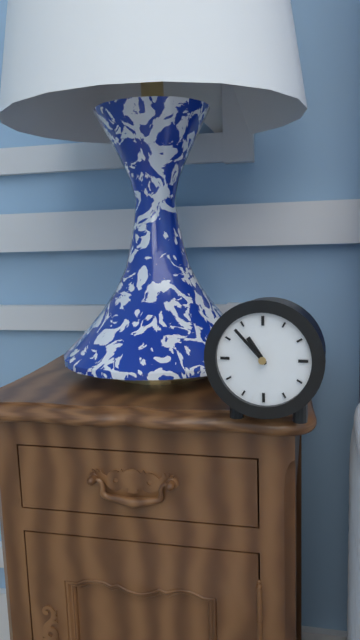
10:53
